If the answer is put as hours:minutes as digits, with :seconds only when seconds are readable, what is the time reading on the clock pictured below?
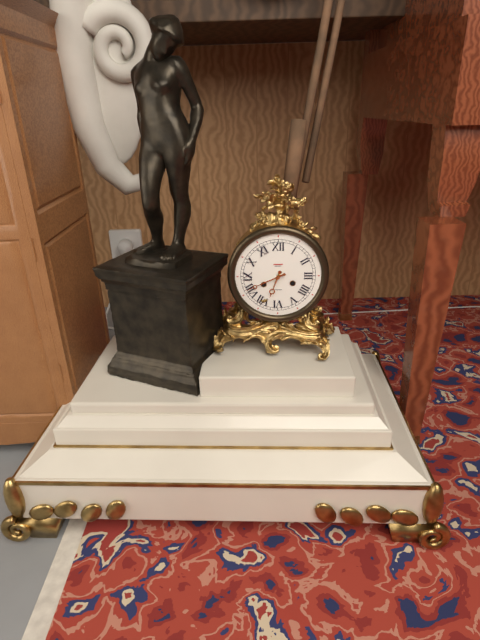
6:41
